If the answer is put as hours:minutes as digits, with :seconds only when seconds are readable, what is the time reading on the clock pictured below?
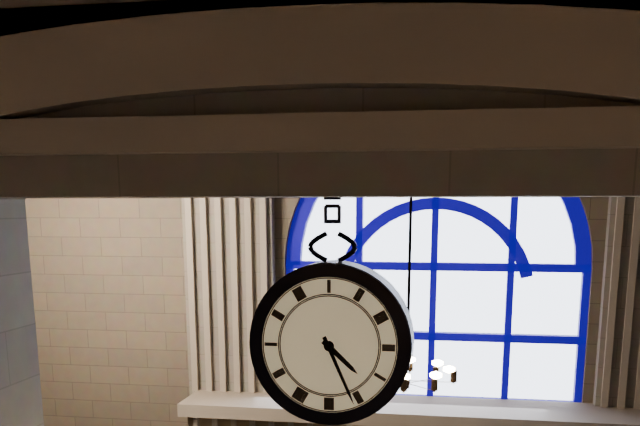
4:26
